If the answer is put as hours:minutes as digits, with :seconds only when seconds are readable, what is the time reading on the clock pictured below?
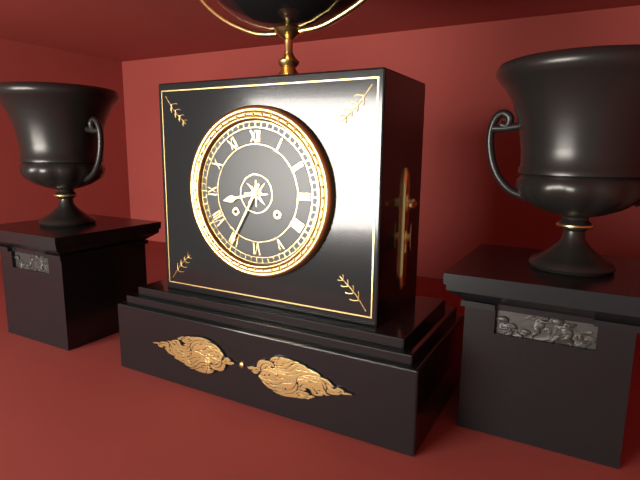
8:35
